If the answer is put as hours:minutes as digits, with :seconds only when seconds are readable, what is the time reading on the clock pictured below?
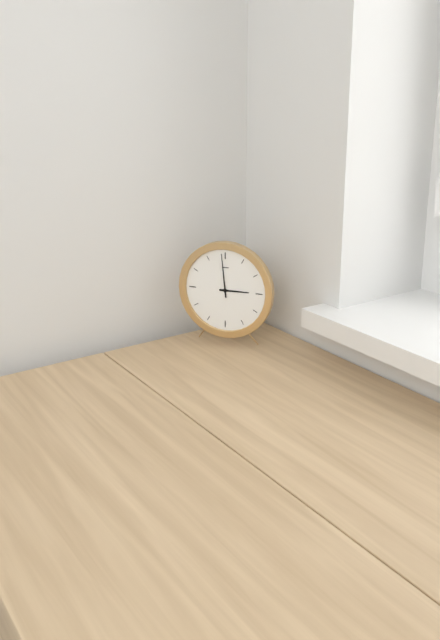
2:59
